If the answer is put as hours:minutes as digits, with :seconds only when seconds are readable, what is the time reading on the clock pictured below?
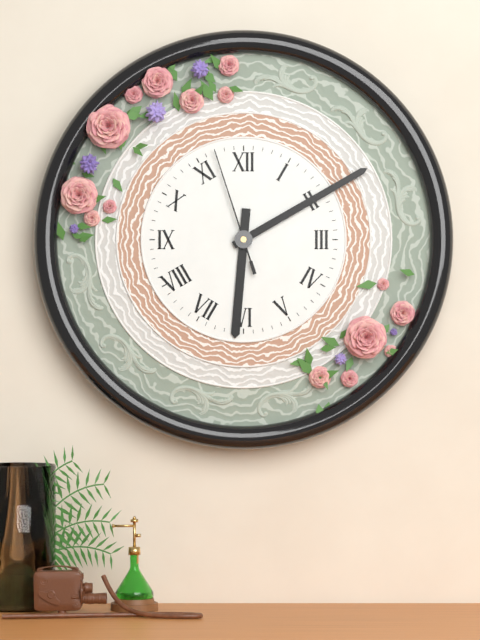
6:10:57
